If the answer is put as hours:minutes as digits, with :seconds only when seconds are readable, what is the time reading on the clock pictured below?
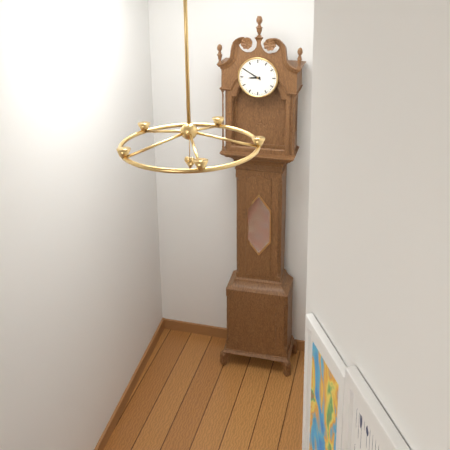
8:50
